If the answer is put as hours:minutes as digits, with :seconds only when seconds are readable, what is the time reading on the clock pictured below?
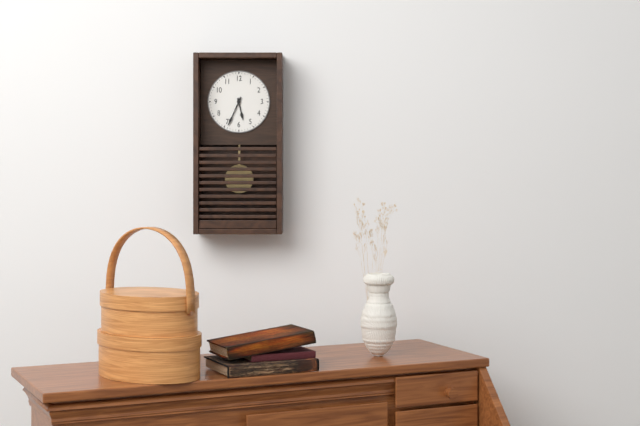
5:34
